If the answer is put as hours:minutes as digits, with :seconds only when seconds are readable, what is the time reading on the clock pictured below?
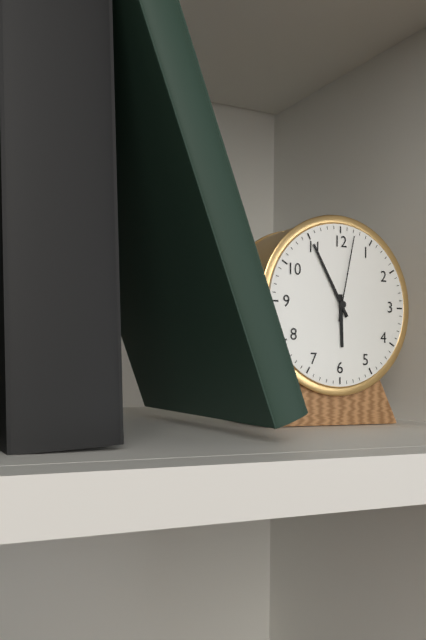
5:55:02
